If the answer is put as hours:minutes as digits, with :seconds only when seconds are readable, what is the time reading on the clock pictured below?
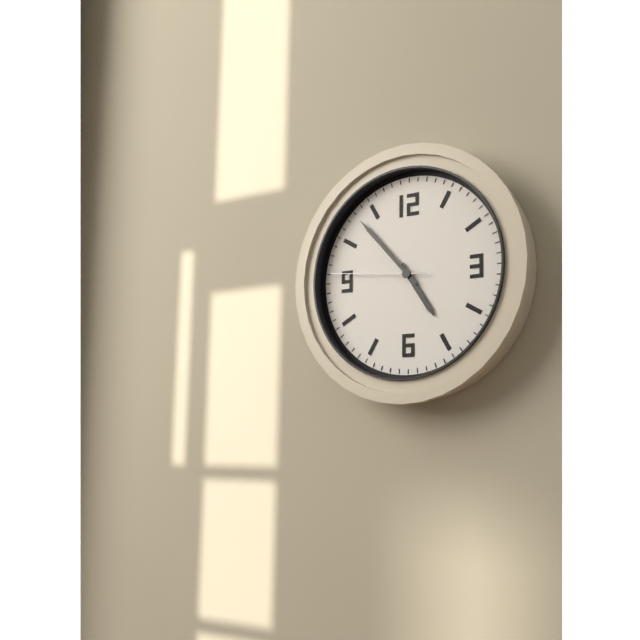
4:53:46
